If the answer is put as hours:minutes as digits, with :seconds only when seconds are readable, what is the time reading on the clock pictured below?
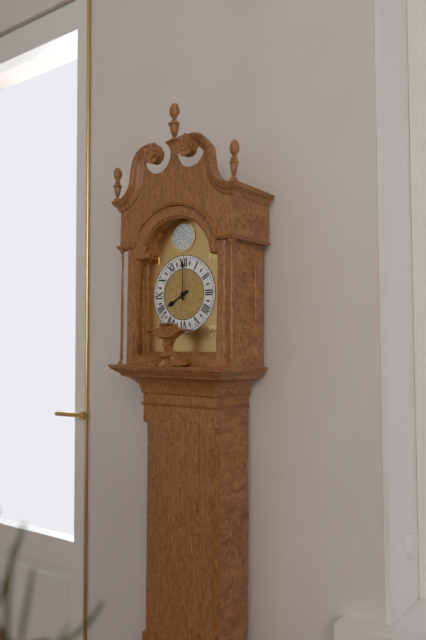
8:00
